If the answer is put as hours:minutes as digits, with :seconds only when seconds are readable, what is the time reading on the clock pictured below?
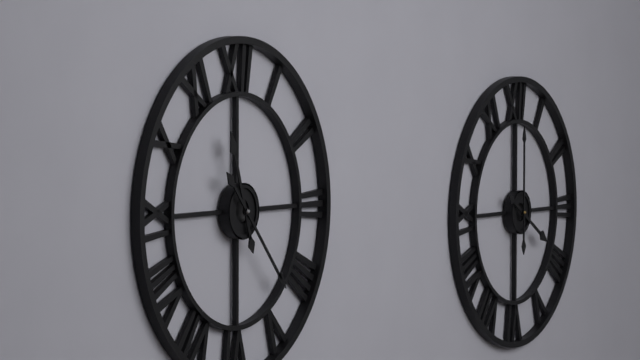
11:23
